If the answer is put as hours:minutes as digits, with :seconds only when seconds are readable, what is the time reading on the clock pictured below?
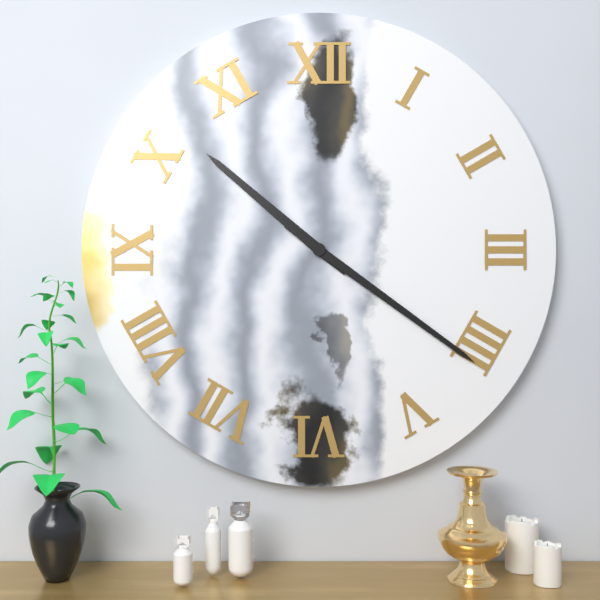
10:21
